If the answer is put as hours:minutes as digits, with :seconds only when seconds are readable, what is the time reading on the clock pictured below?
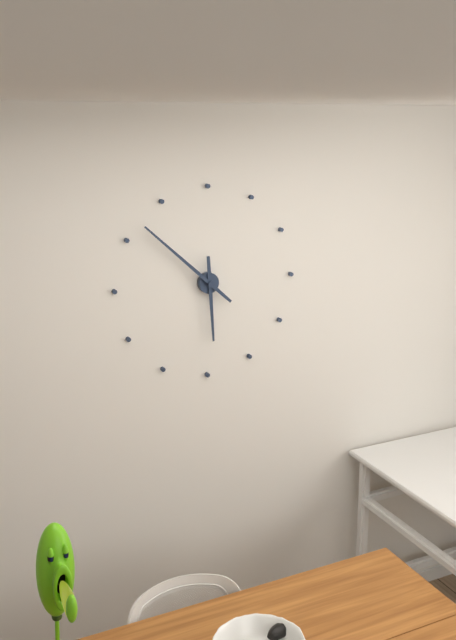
5:52
